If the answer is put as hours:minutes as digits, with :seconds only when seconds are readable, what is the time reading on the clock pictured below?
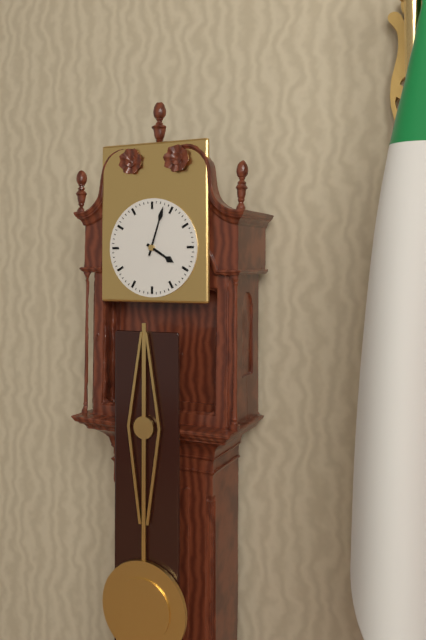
4:03
